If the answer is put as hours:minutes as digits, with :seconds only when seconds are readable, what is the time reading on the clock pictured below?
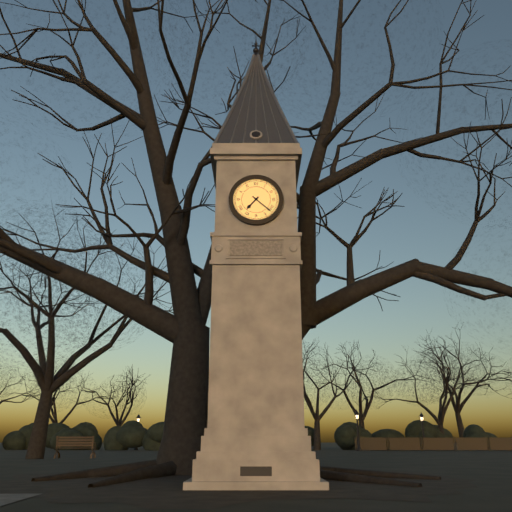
7:22
